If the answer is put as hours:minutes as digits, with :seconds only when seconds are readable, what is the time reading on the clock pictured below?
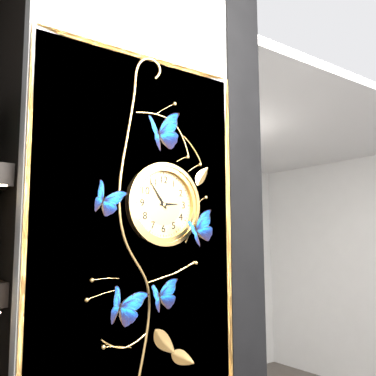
2:54
